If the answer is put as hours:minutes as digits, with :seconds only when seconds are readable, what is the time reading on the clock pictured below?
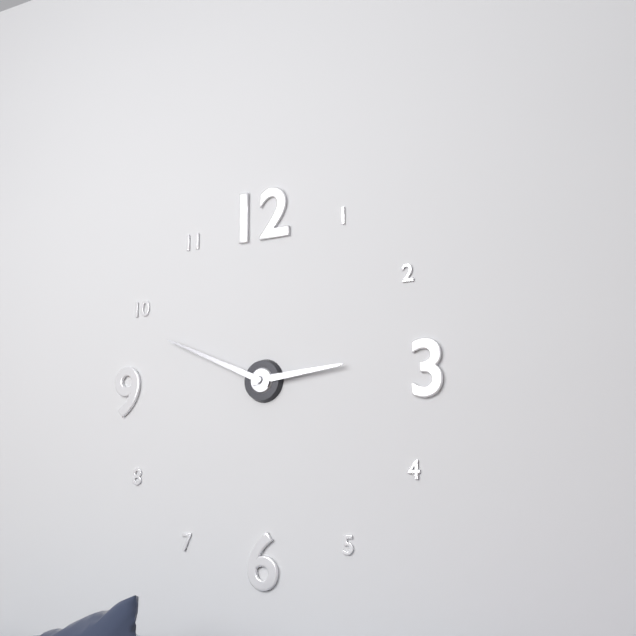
2:49
